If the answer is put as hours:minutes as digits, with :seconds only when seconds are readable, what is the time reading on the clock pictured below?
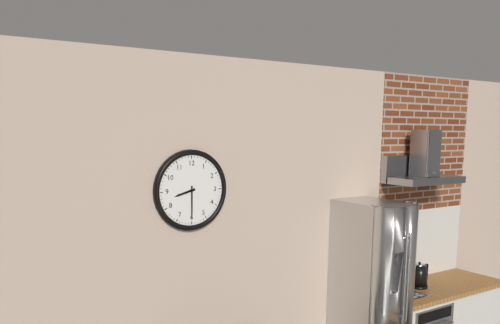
8:30
